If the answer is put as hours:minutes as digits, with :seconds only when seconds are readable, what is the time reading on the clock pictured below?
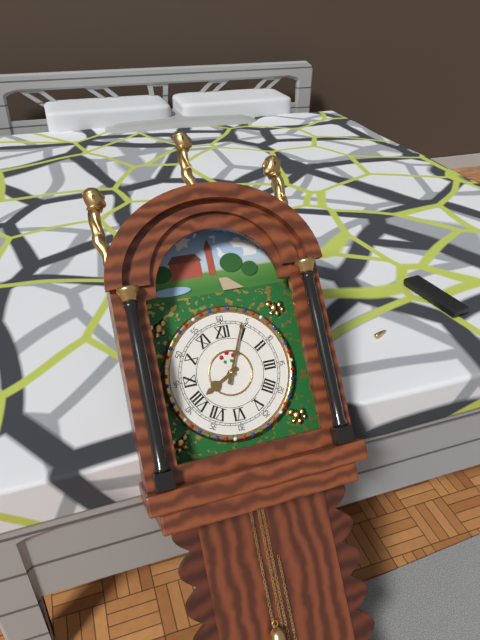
8:04
